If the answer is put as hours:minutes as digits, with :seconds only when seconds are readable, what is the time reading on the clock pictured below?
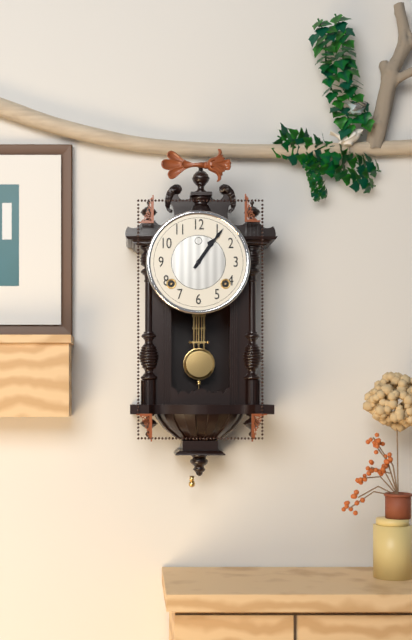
1:06
